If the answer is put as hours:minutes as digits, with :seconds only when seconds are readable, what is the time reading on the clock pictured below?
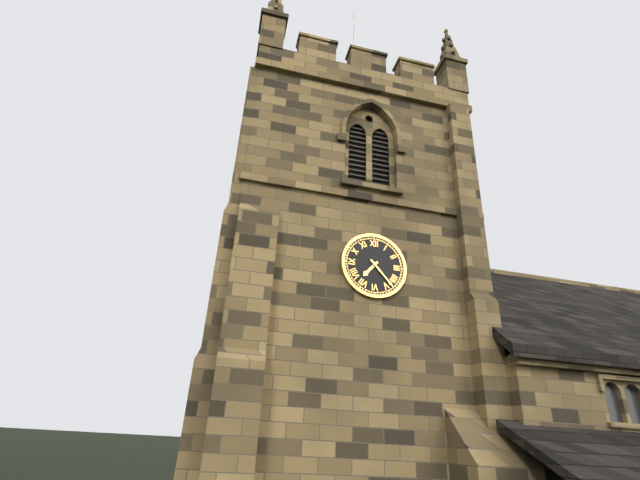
7:23
